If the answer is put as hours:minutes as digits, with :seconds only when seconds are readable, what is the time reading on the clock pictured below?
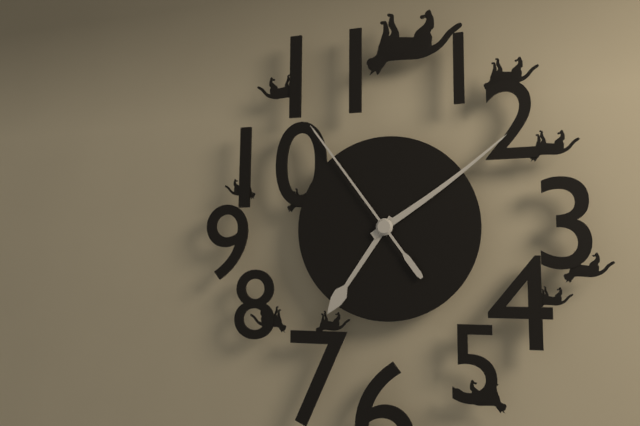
7:09:54
